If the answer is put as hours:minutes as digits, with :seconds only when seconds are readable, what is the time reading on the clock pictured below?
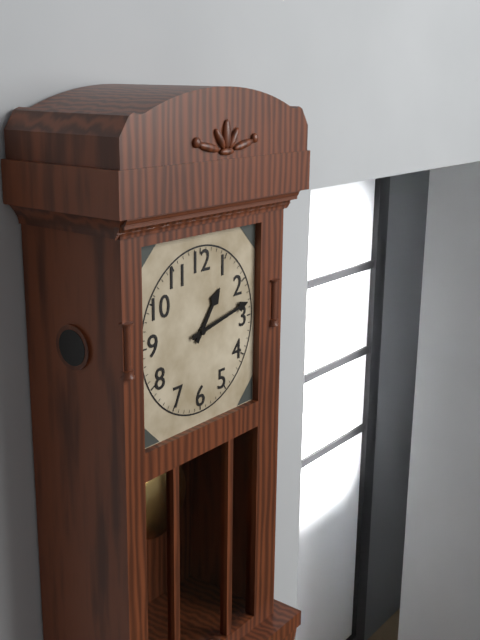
1:13
